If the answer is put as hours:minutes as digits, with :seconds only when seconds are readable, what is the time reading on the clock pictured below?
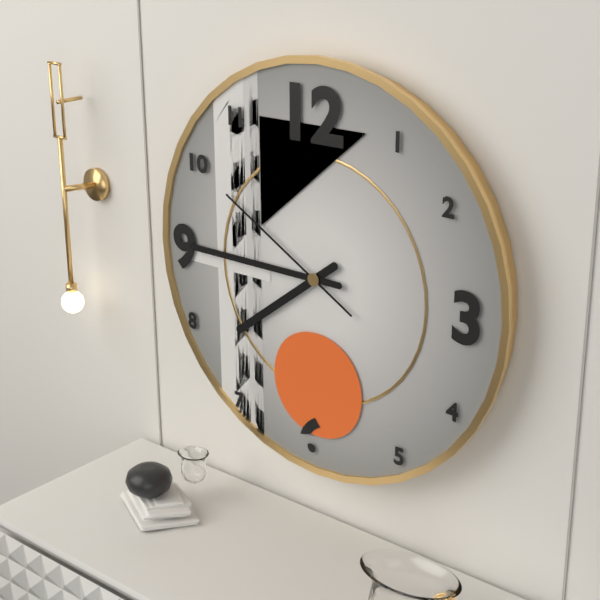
7:45:50
